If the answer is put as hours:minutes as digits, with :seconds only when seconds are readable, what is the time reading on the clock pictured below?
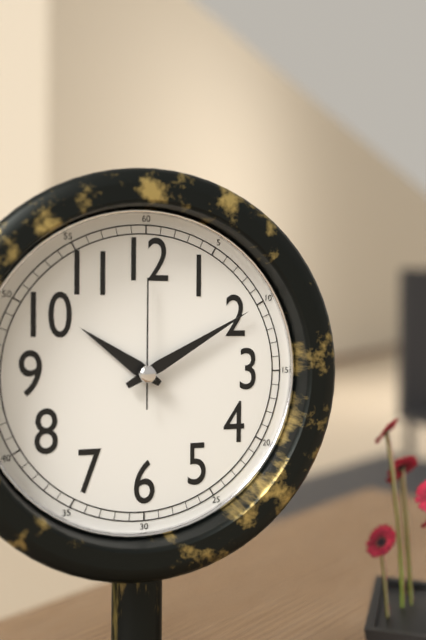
10:10:00
